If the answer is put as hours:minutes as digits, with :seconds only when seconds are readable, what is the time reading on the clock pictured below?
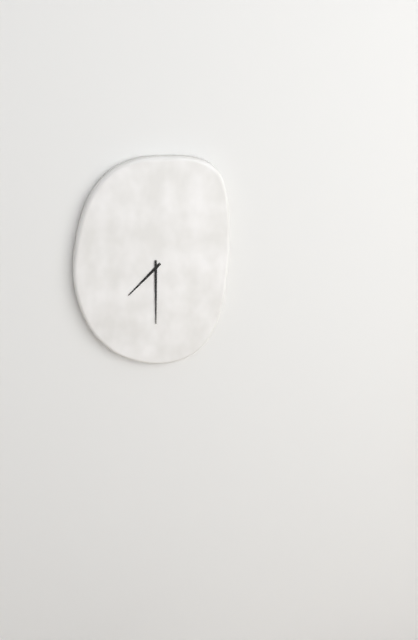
7:30
